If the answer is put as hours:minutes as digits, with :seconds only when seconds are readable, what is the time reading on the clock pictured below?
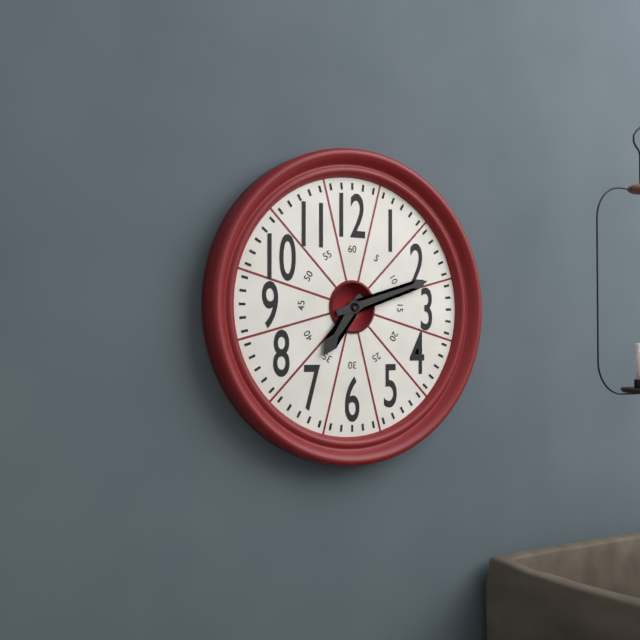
7:12
